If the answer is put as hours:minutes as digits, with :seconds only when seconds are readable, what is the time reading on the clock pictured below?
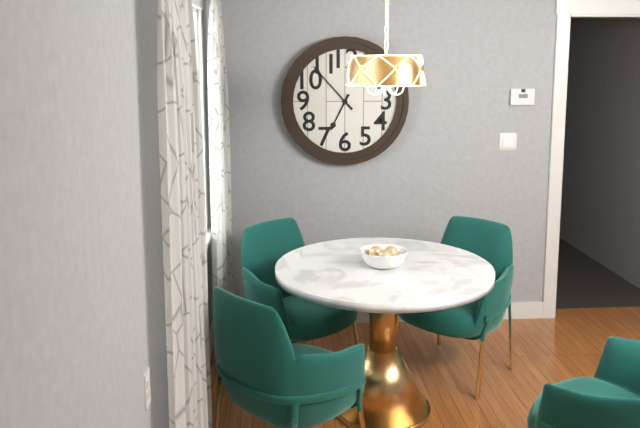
6:53
